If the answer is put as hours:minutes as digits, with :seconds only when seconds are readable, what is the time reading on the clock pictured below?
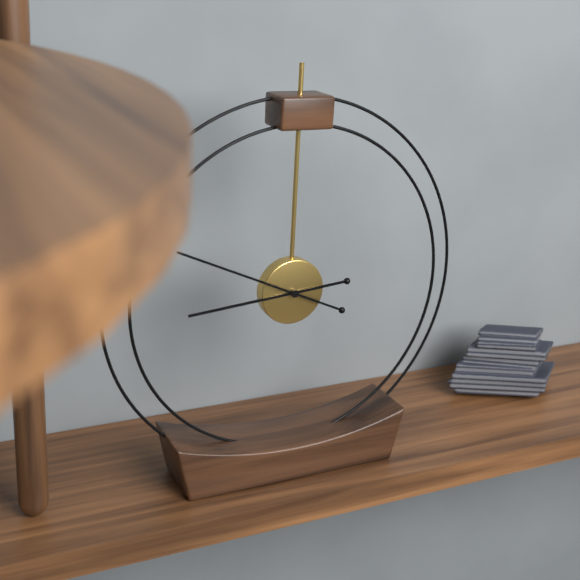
8:49
